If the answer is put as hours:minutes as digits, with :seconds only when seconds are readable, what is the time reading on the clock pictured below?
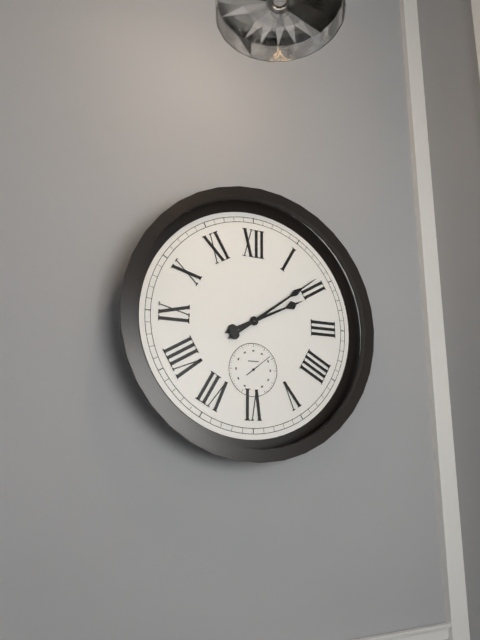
2:09
